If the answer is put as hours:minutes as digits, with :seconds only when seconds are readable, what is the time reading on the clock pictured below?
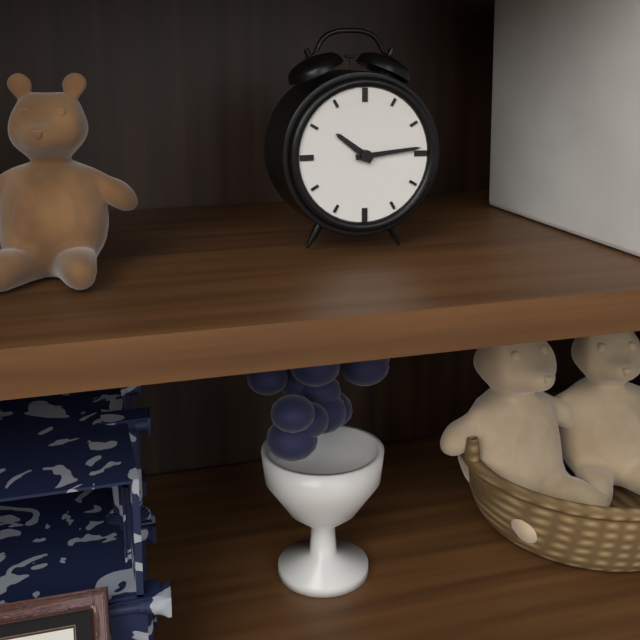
10:14
